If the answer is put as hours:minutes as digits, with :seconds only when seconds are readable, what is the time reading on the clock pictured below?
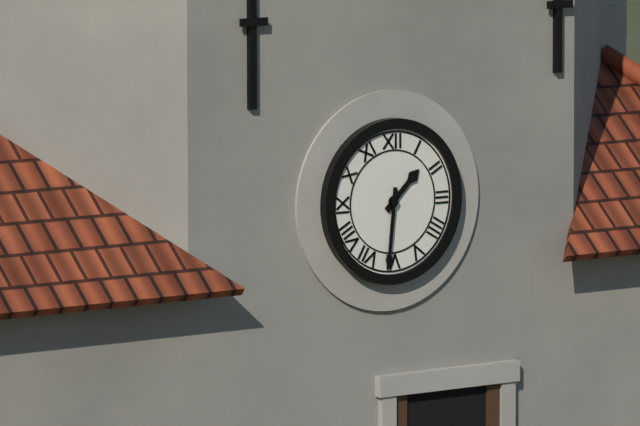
1:31
